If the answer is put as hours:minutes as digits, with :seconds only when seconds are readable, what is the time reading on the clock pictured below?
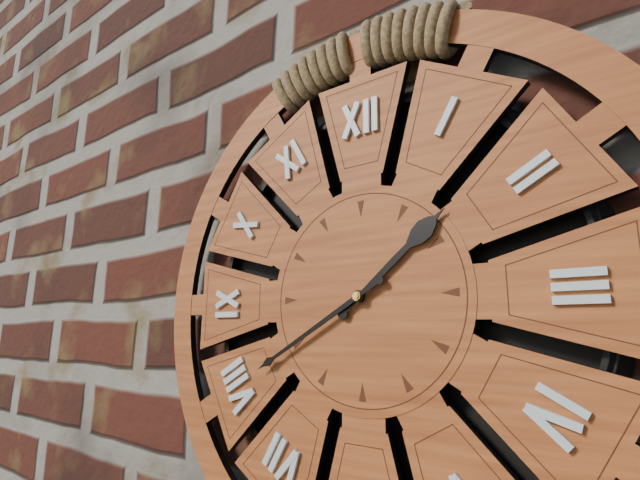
1:40
